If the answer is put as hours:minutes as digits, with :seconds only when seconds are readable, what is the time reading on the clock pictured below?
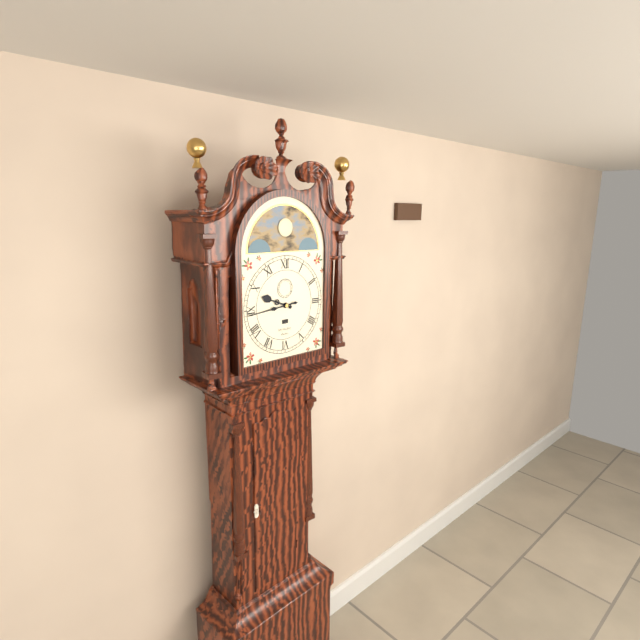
9:44
